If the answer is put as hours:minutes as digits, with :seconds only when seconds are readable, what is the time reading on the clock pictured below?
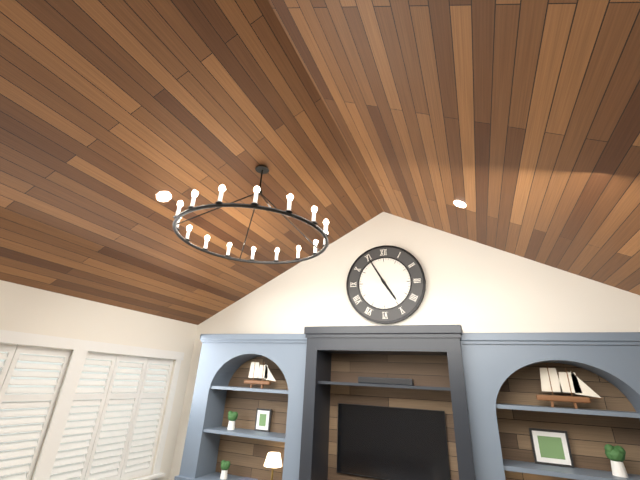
4:55
